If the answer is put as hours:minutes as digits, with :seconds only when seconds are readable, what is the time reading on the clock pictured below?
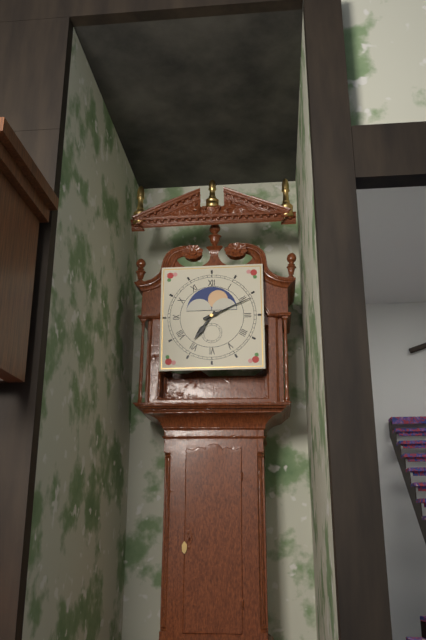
7:11
